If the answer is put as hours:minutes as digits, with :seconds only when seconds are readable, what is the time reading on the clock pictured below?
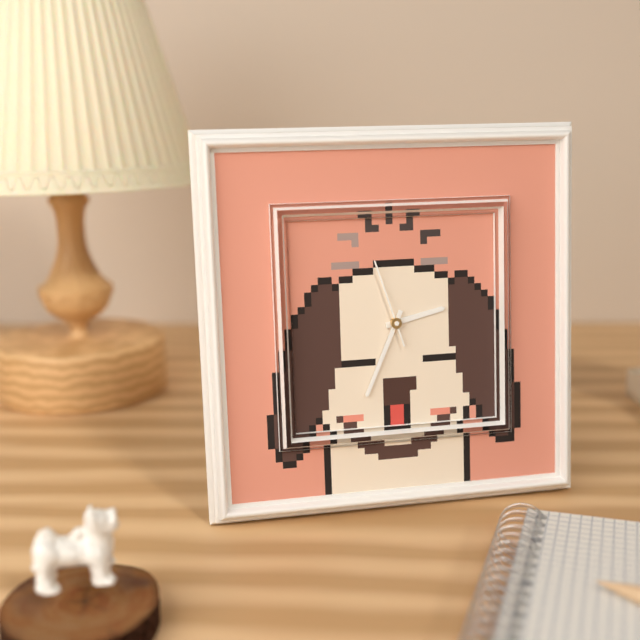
2:34:57
